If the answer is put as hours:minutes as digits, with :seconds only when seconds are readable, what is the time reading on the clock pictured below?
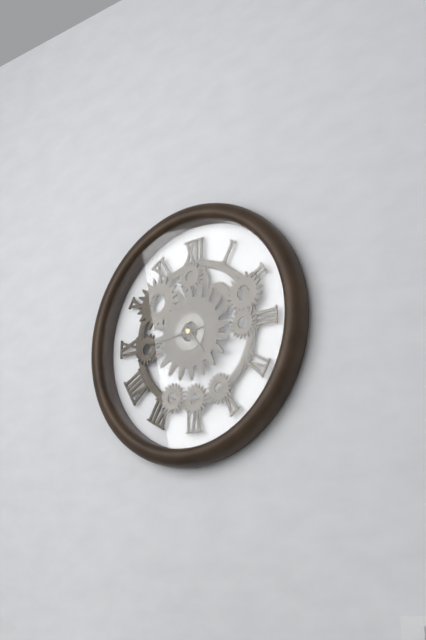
4:44
